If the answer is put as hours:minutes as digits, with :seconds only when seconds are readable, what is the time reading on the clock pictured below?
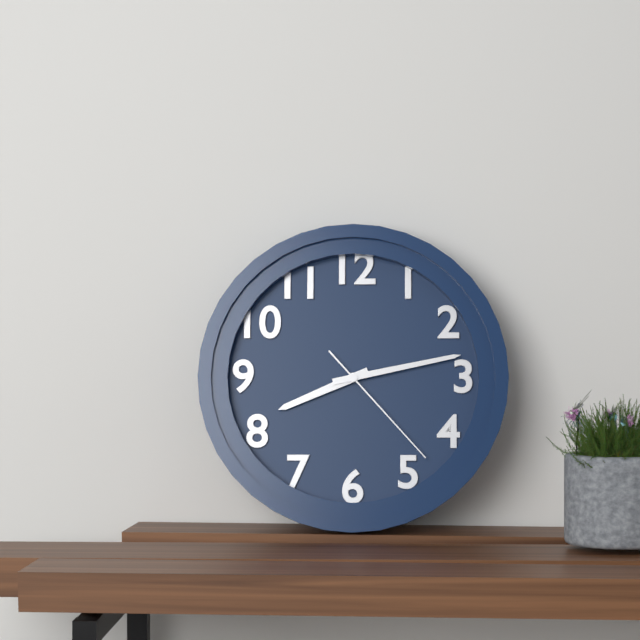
8:13:23
